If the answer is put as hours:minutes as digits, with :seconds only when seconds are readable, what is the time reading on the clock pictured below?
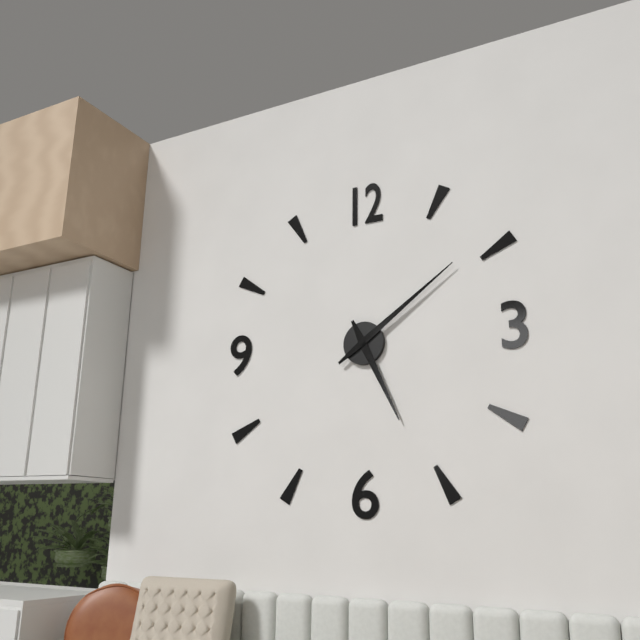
5:09
